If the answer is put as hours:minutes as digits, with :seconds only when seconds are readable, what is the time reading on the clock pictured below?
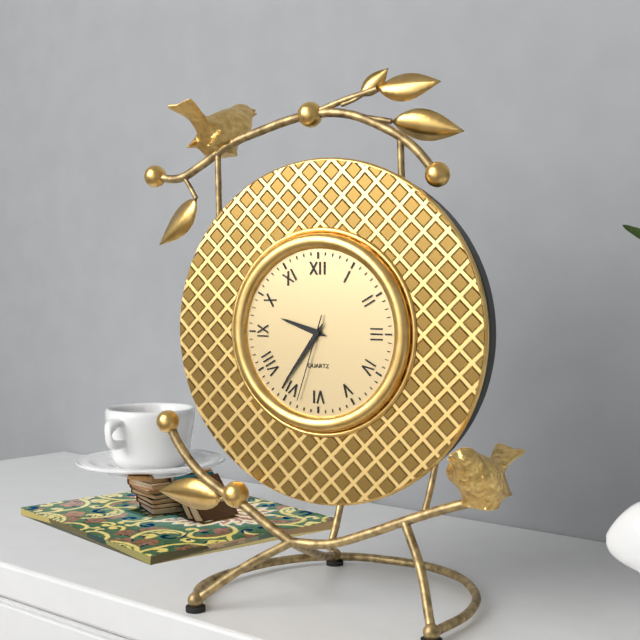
9:36:33
